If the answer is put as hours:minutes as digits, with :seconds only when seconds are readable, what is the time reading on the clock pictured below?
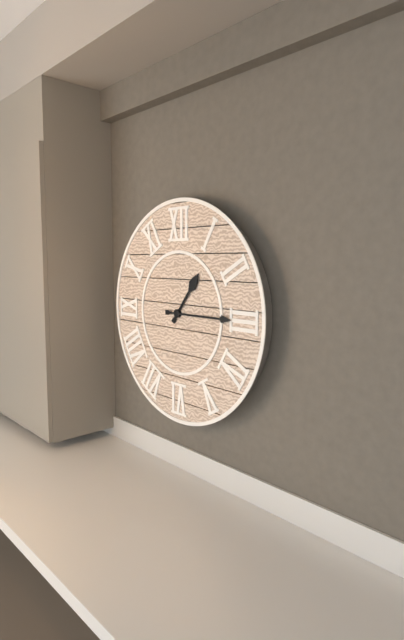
1:15
